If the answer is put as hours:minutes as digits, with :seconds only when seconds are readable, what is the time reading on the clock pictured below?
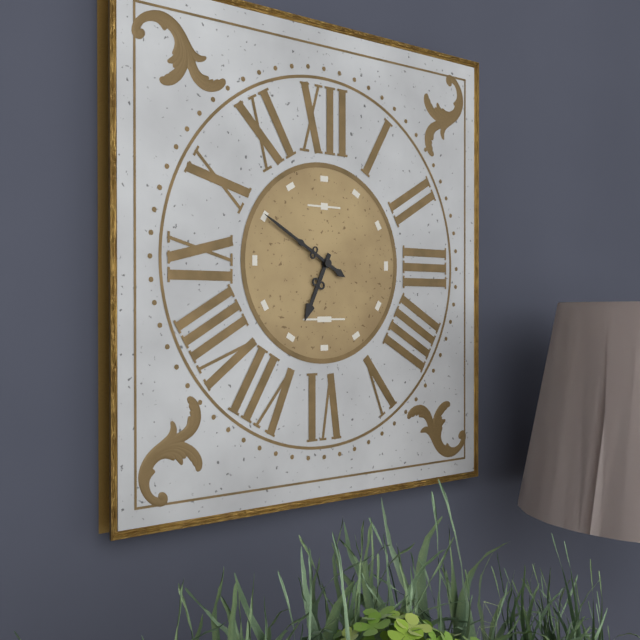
6:50
